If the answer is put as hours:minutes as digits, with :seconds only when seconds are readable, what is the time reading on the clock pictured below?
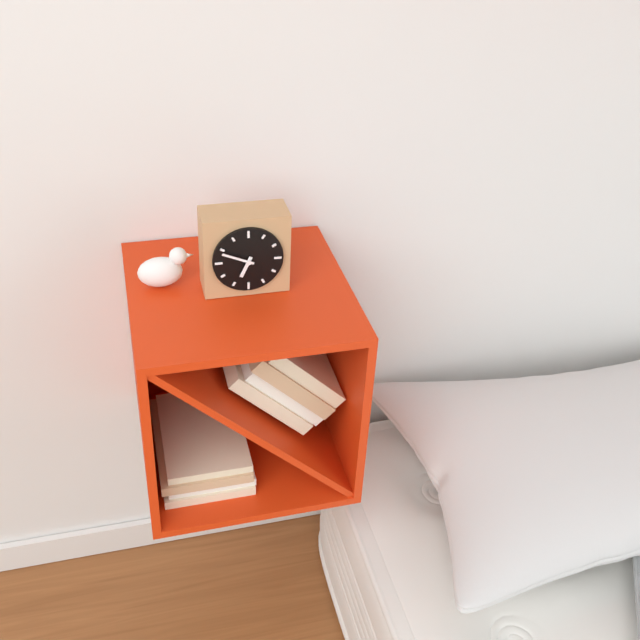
6:49
